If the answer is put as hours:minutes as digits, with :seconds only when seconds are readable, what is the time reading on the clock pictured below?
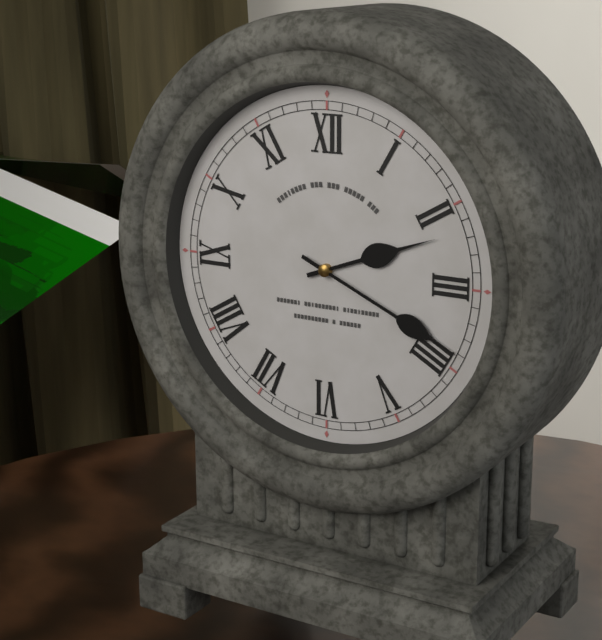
2:19
